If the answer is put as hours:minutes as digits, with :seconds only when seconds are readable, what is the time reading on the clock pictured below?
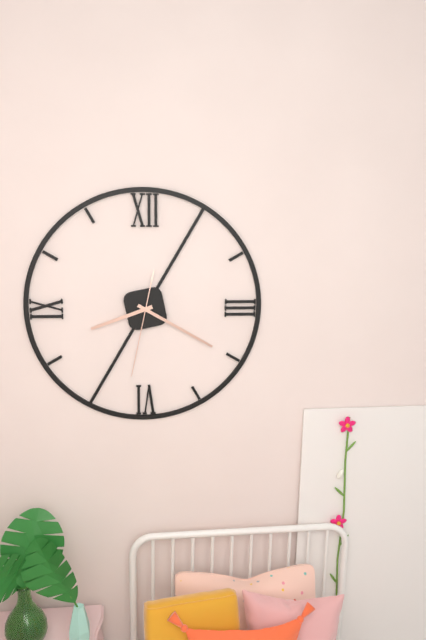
8:20:32
